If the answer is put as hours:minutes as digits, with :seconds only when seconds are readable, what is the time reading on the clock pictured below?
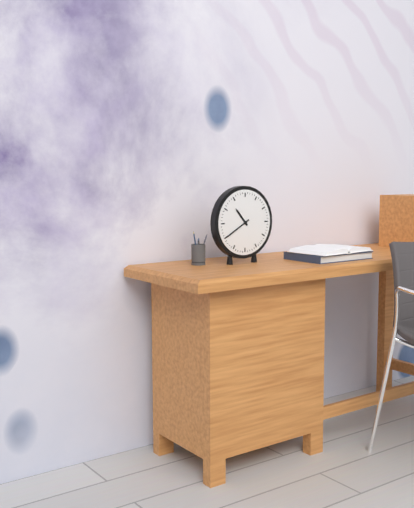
10:40
